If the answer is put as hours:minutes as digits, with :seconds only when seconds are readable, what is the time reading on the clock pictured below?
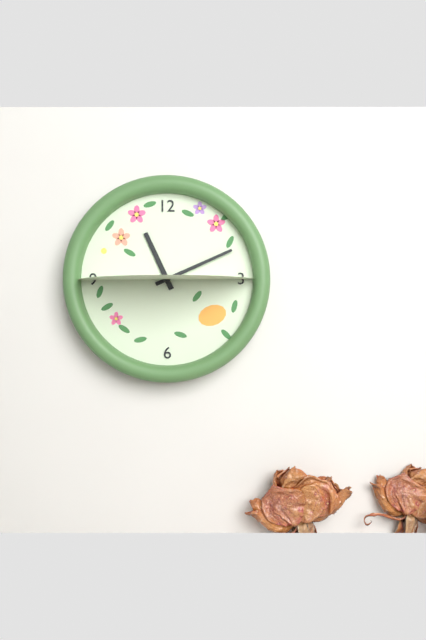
11:11
